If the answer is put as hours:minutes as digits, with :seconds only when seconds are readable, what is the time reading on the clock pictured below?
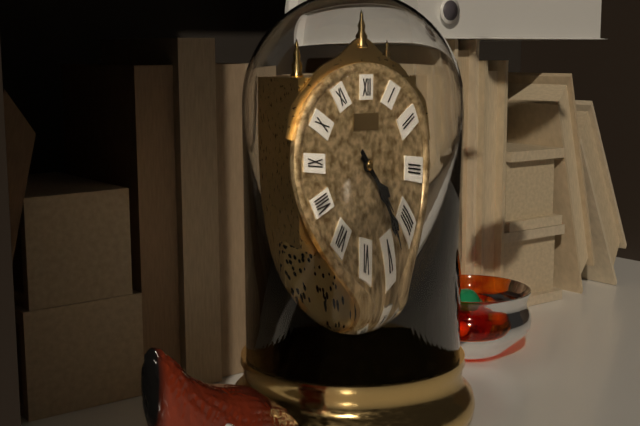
4:23
